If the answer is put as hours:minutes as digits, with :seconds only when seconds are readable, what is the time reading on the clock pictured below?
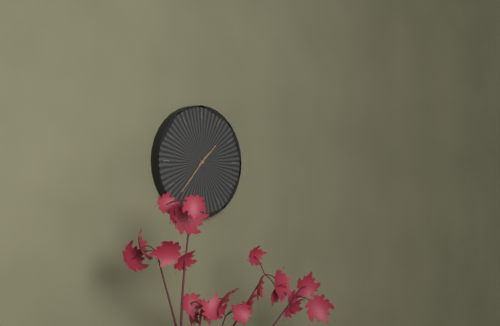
1:37
